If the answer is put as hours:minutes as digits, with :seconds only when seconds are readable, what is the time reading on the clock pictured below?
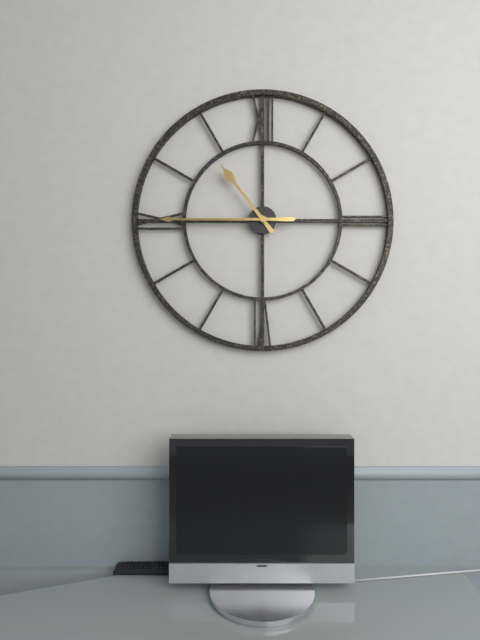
10:45
